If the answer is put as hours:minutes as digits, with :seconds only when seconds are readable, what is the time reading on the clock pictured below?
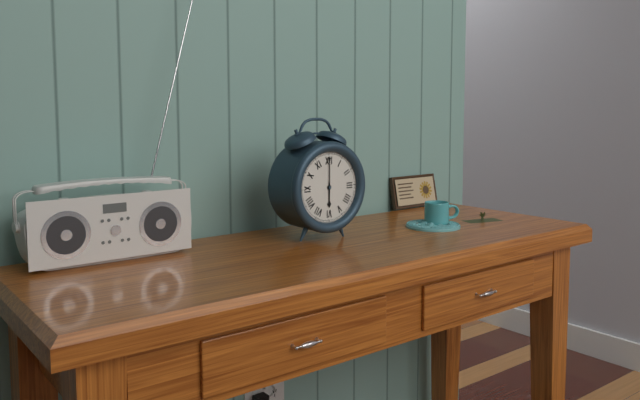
6:00
